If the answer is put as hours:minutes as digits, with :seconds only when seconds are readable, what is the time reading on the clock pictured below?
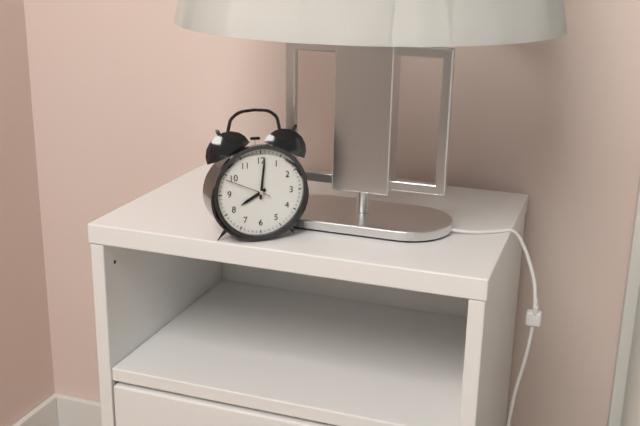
8:01
